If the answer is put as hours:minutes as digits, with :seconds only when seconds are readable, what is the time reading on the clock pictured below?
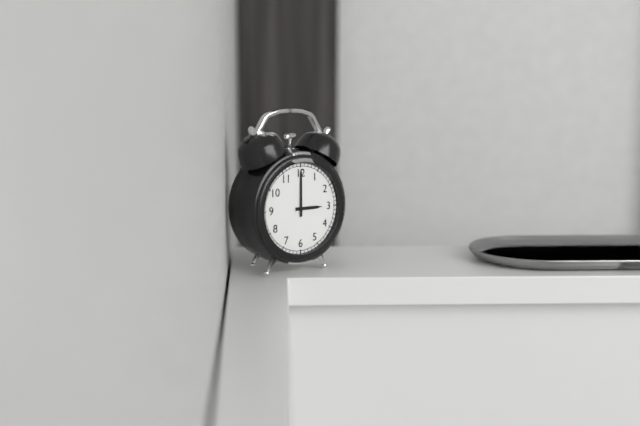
3:00
